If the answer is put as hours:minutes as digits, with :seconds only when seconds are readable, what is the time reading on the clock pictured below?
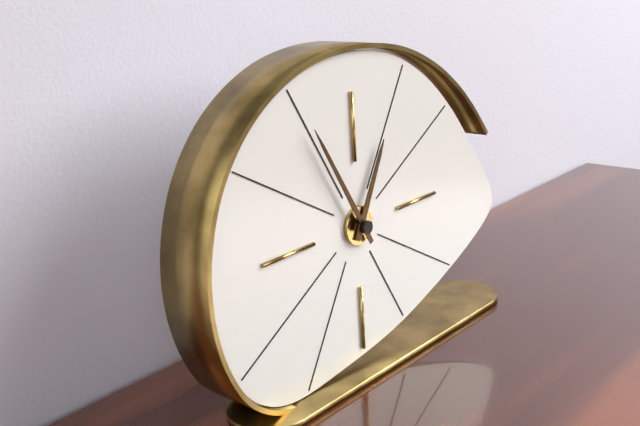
12:55
